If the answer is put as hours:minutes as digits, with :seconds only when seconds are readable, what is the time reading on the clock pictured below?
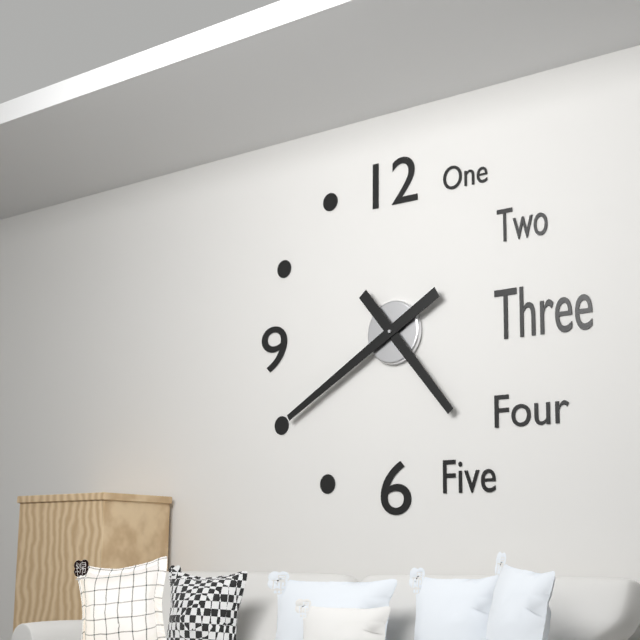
4:40
